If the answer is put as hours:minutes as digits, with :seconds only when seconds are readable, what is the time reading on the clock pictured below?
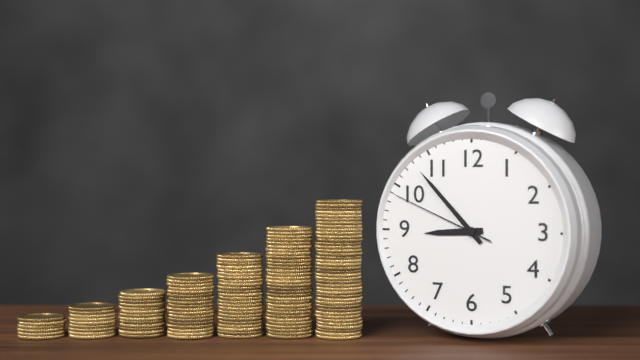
8:53:49
